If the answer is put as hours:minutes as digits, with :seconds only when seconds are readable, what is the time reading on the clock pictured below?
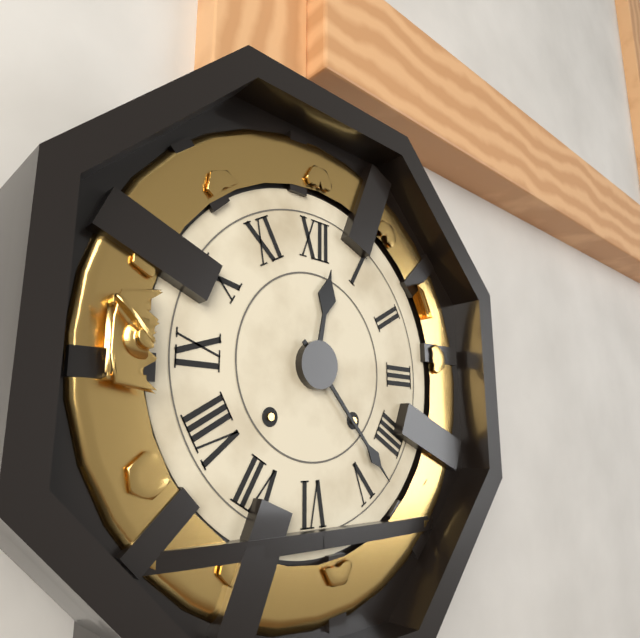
12:23
